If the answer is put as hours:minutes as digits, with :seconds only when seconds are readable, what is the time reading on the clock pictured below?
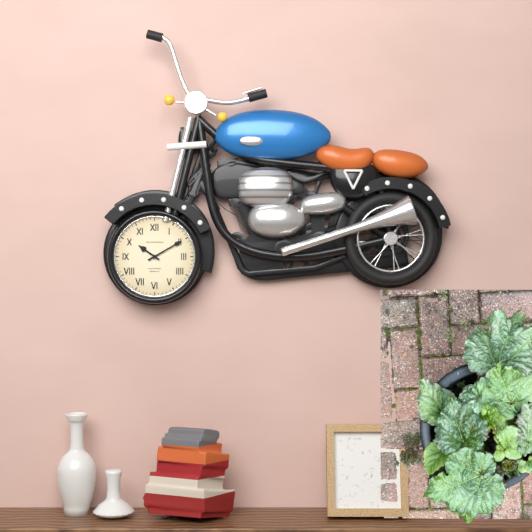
10:10
